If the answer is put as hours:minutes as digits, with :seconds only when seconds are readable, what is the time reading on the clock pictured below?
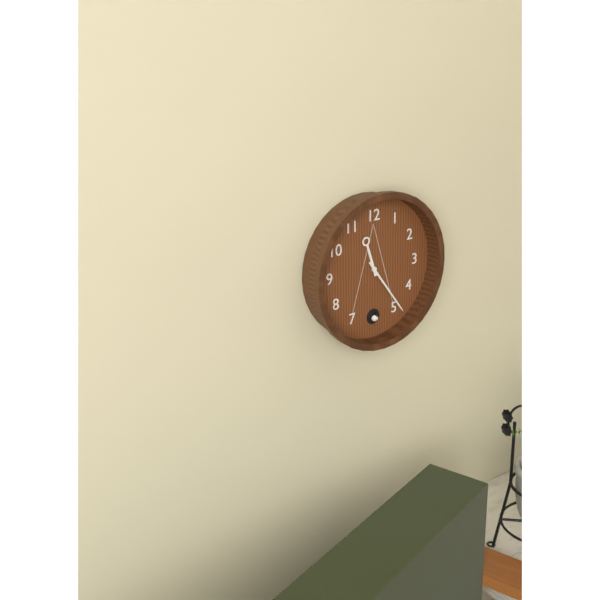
11:24
